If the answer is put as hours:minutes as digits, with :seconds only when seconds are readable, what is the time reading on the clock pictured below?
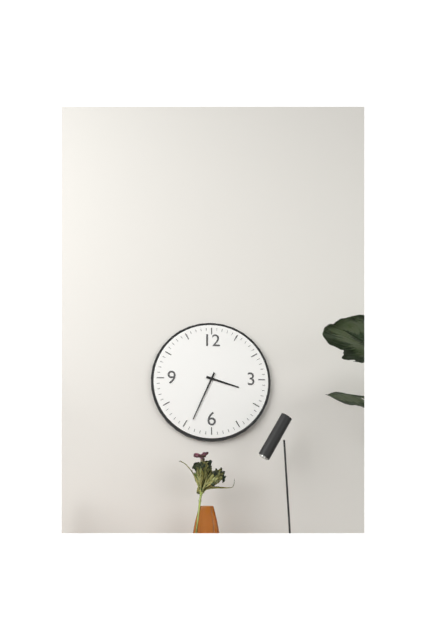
3:34
